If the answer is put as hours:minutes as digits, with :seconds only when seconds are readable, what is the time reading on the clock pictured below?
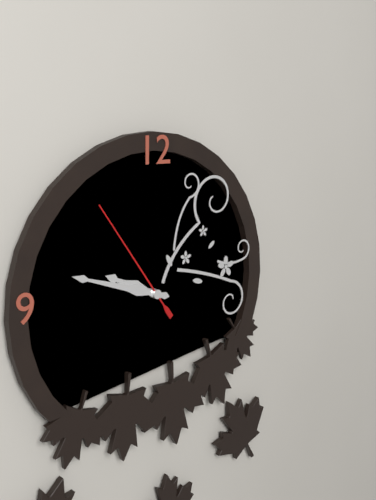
9:48:54
